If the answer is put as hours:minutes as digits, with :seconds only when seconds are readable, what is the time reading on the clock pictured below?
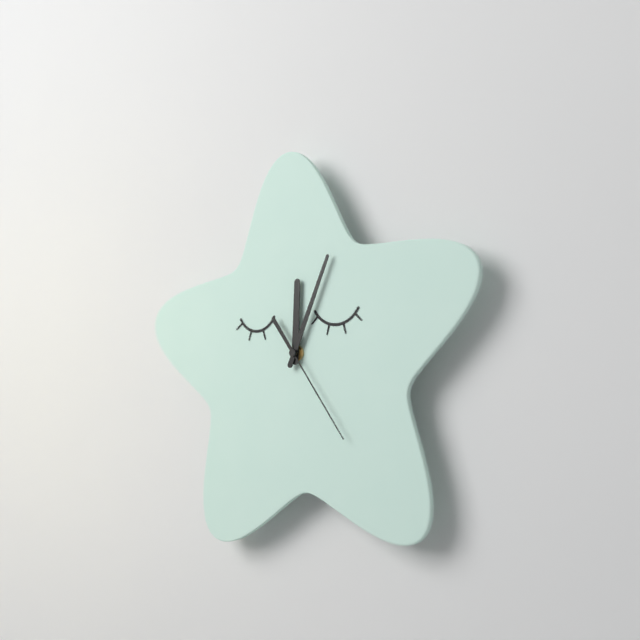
12:04:24
